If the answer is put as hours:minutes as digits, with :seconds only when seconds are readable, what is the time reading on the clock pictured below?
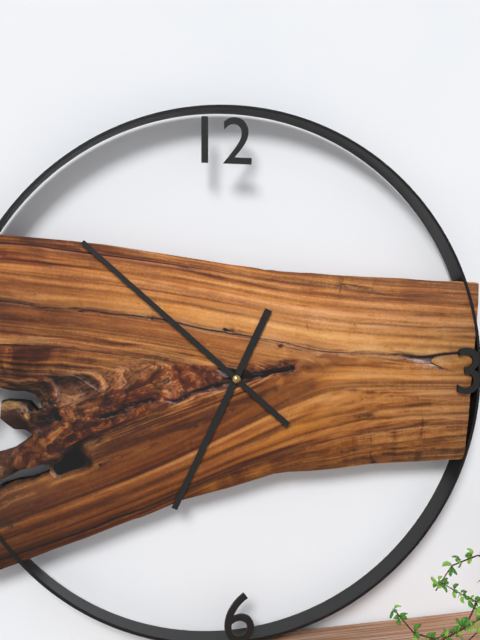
6:52
